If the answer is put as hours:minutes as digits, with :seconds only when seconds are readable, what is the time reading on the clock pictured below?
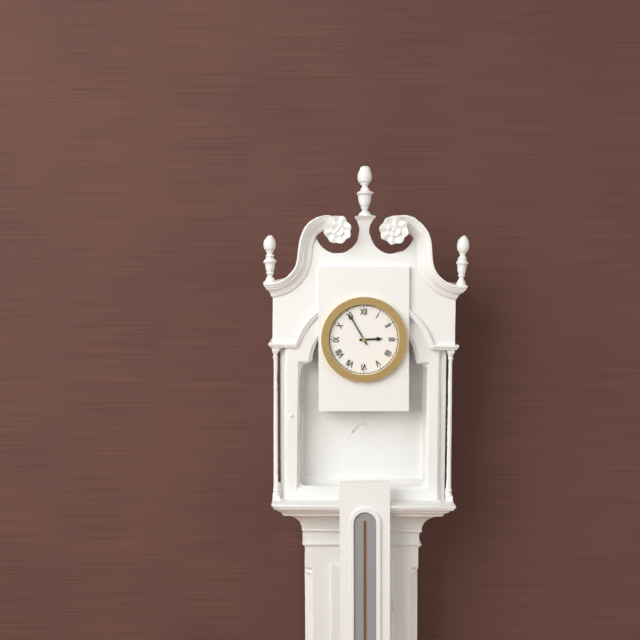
2:55
